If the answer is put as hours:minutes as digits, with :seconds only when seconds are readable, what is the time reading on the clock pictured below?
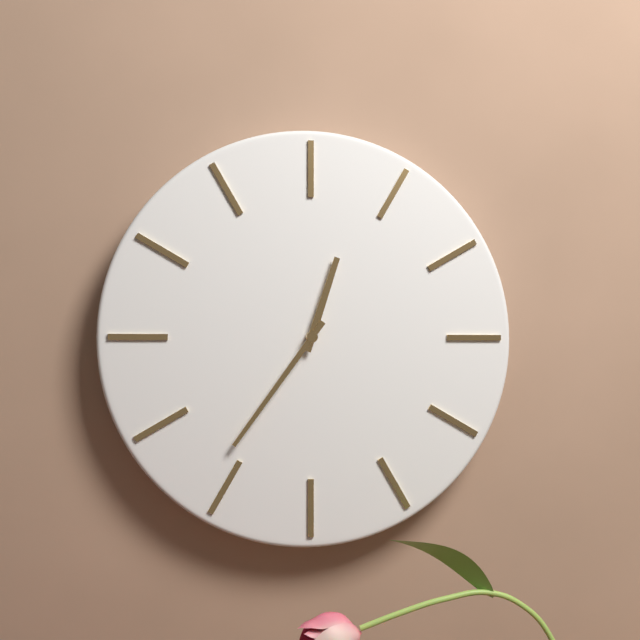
12:36
